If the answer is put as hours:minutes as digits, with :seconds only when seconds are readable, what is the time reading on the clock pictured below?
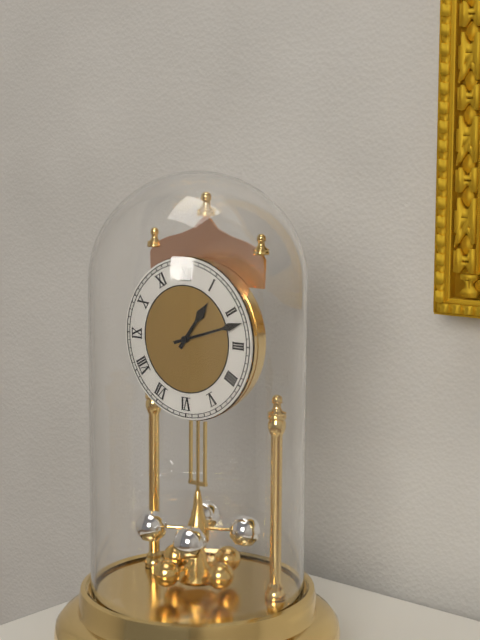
1:12
